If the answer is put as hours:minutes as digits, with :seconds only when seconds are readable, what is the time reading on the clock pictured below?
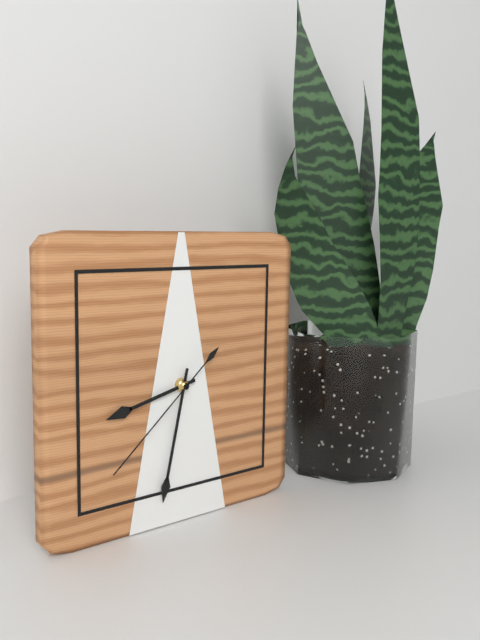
8:32:38
